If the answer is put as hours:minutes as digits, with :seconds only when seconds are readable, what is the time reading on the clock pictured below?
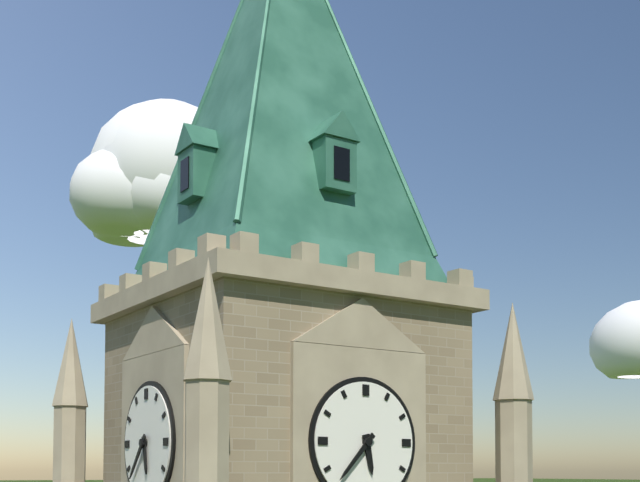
5:37
